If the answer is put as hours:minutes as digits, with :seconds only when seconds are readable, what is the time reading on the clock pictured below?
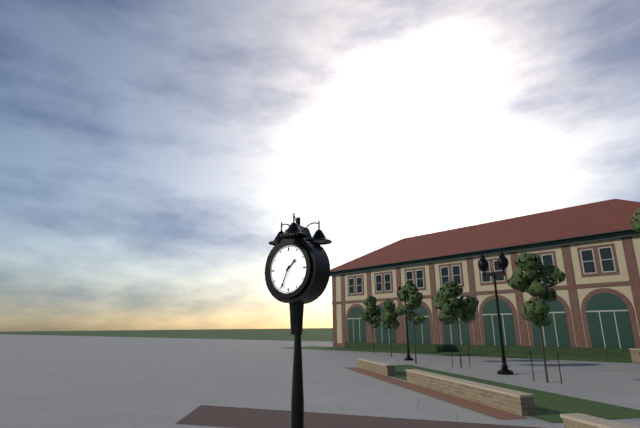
1:34
